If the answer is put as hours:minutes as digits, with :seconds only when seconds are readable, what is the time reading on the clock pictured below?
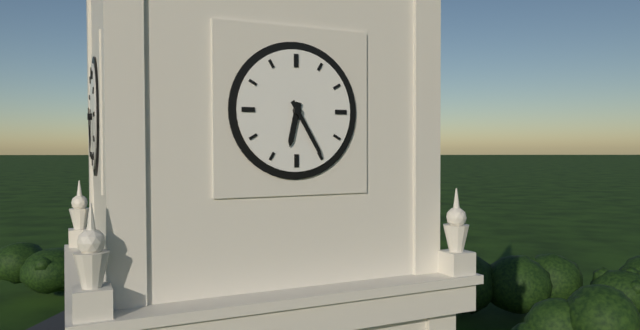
6:25
